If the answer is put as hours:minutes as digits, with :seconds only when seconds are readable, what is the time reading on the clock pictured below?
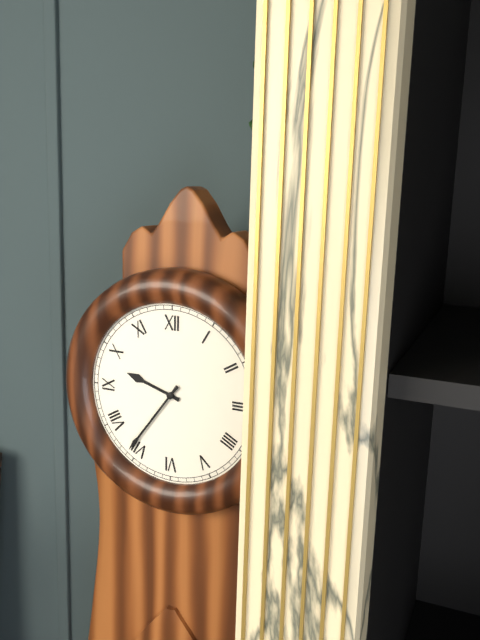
9:36
